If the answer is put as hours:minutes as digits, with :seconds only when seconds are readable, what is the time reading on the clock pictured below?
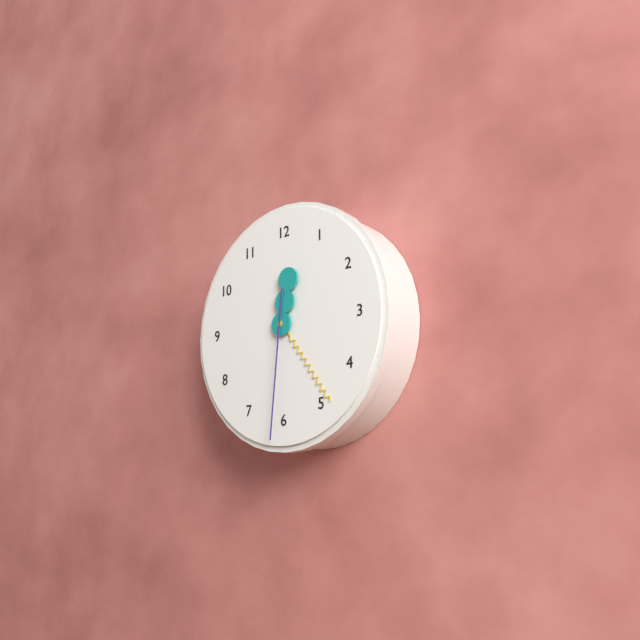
12:24:31
